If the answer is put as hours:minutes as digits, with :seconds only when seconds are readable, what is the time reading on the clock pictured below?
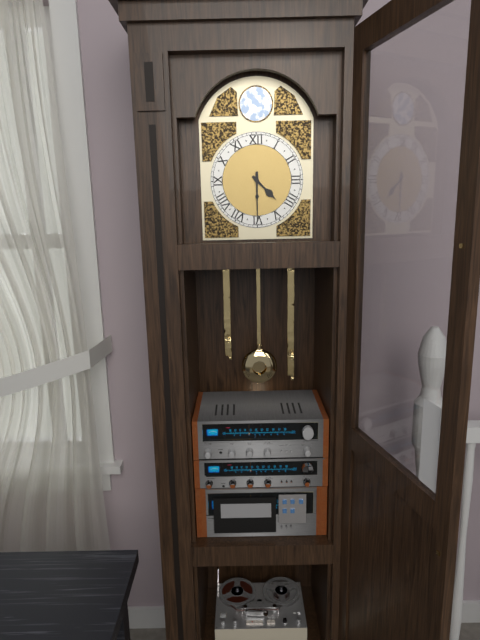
4:30
